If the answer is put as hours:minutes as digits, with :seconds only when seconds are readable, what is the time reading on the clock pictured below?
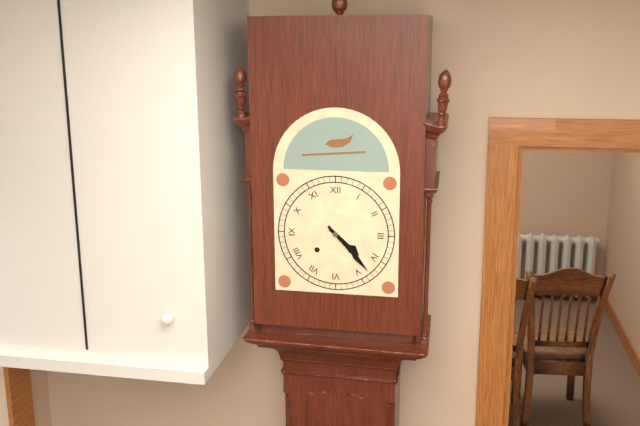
4:23
